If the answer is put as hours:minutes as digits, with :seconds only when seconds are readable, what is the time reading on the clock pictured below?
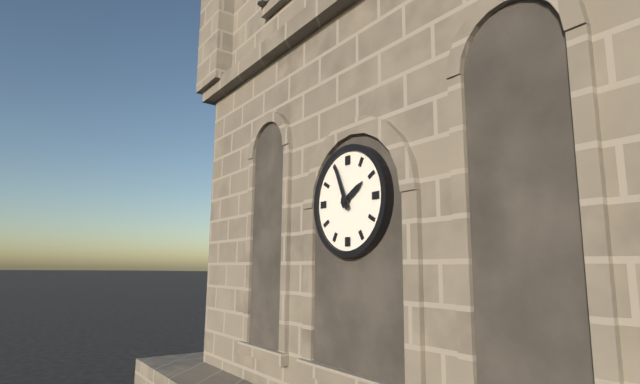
1:56
